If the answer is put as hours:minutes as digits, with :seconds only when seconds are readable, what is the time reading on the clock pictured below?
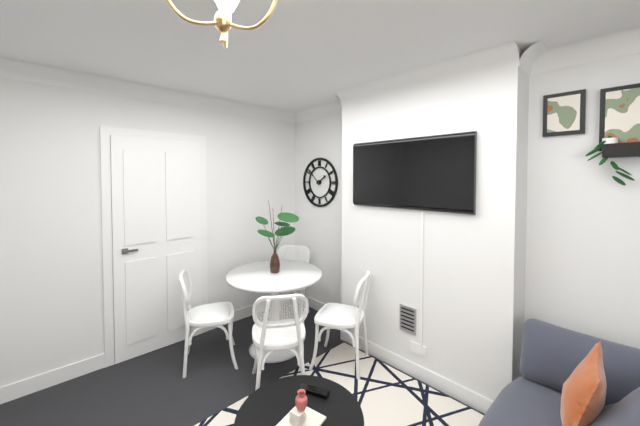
1:52
